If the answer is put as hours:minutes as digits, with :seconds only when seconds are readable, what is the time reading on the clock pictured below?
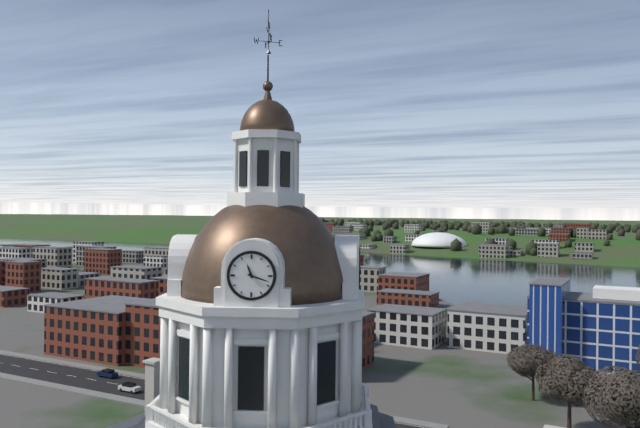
11:18
